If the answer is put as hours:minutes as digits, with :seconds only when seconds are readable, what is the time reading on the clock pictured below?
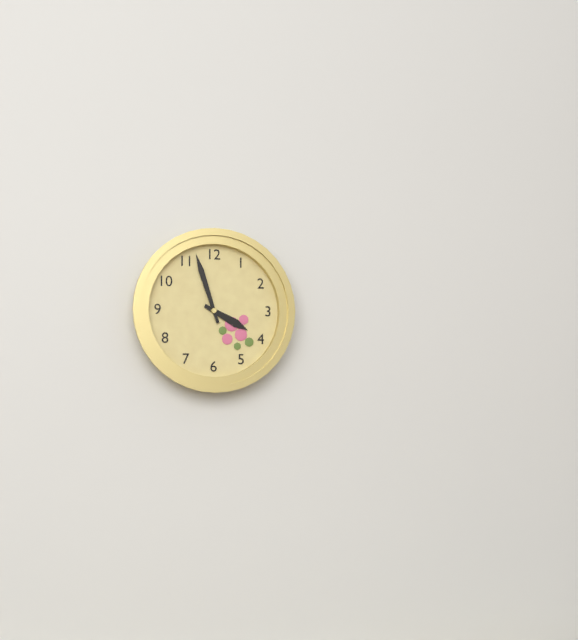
3:57
